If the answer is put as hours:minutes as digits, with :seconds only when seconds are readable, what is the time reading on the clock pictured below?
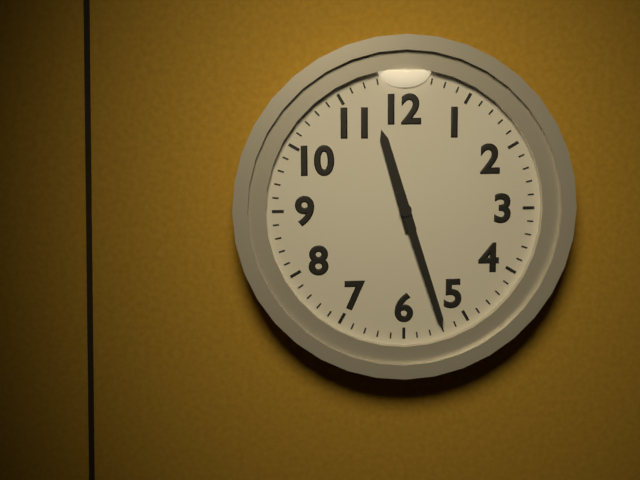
11:27
